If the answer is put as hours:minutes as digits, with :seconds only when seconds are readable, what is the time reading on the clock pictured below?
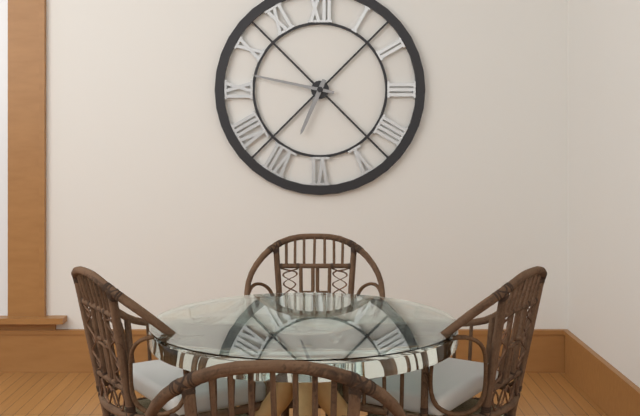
6:47
